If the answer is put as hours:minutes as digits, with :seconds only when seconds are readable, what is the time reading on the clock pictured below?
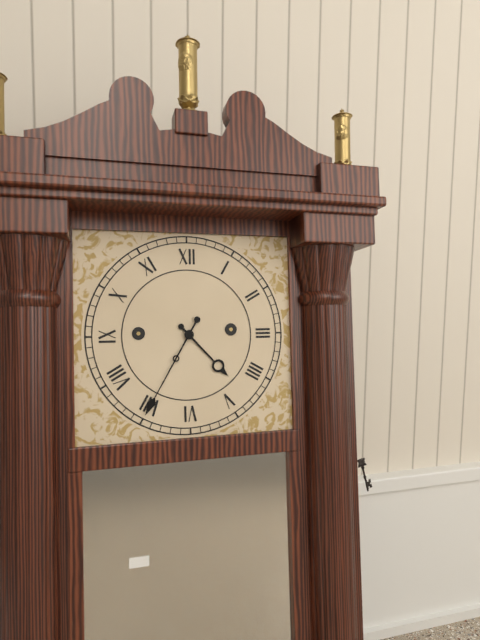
4:35
